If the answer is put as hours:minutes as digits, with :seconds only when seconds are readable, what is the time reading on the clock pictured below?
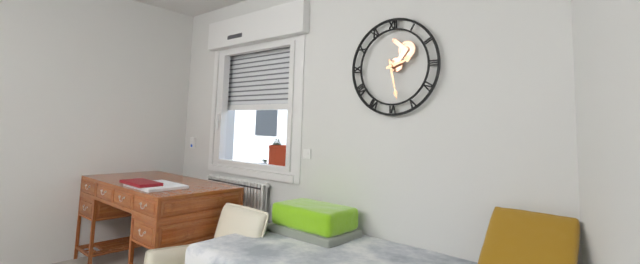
2:28
